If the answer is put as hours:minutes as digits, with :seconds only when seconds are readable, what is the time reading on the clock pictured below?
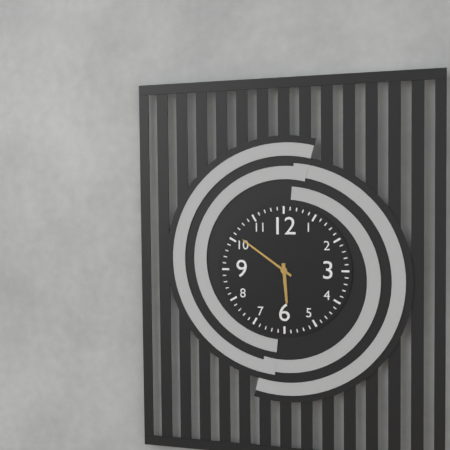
5:51
